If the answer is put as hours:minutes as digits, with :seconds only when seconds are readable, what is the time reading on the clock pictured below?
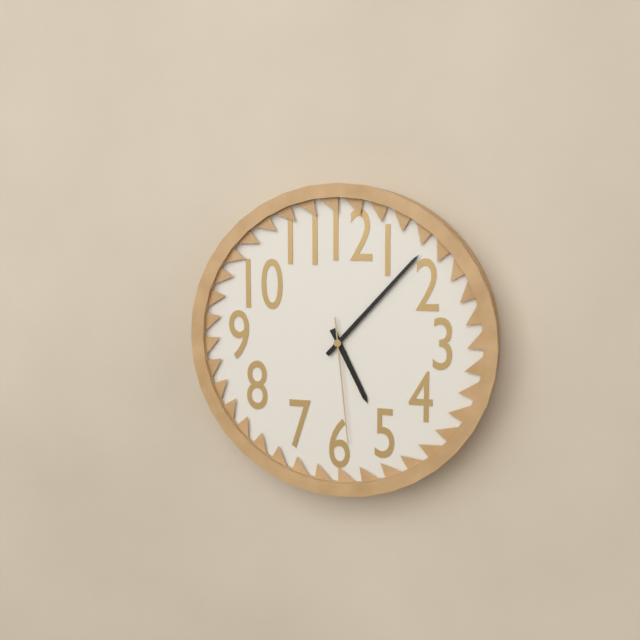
5:07:29
